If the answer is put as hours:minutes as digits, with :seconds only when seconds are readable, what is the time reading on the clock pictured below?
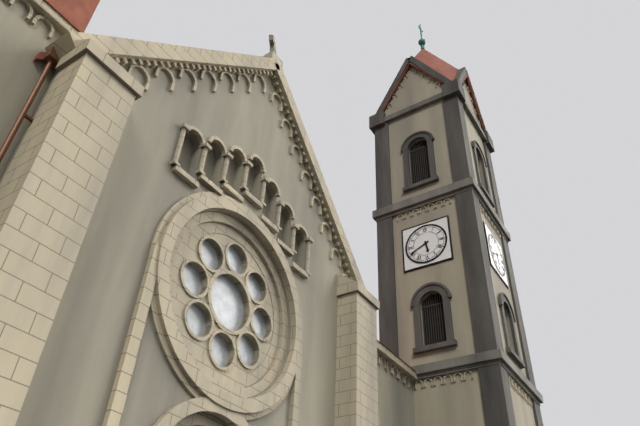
5:41
